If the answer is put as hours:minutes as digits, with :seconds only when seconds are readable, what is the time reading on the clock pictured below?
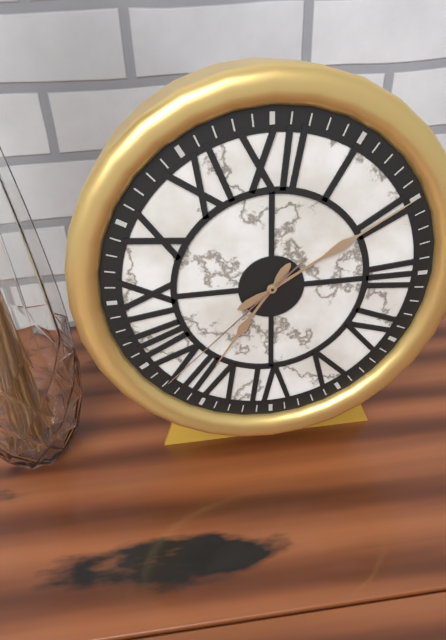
7:10:38
